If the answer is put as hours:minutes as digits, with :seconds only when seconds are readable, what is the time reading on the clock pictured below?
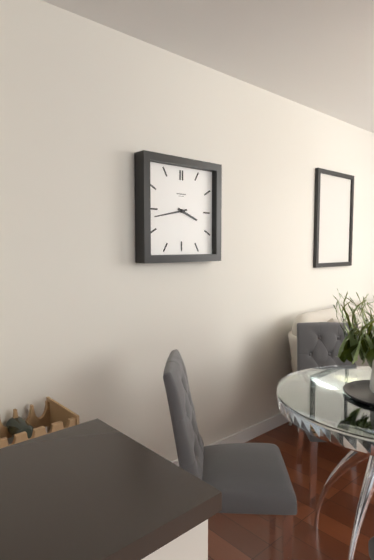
3:43
